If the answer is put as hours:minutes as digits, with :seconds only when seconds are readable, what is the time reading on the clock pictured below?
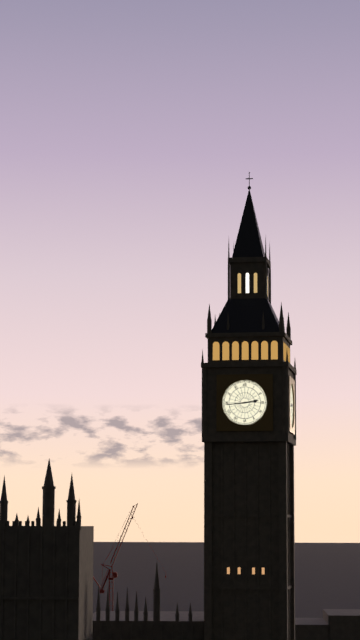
2:44
